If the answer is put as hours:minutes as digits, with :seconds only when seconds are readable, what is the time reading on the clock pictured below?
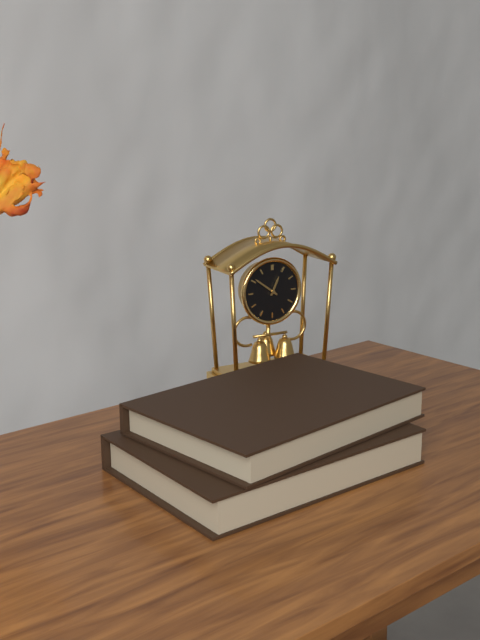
12:51
